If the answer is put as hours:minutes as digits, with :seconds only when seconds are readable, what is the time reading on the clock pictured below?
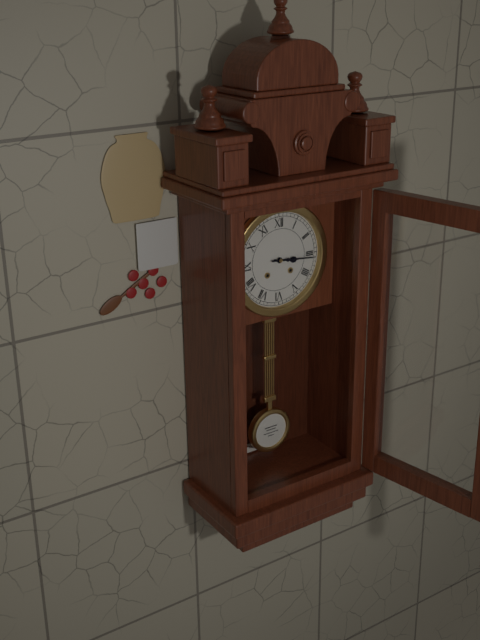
3:16
